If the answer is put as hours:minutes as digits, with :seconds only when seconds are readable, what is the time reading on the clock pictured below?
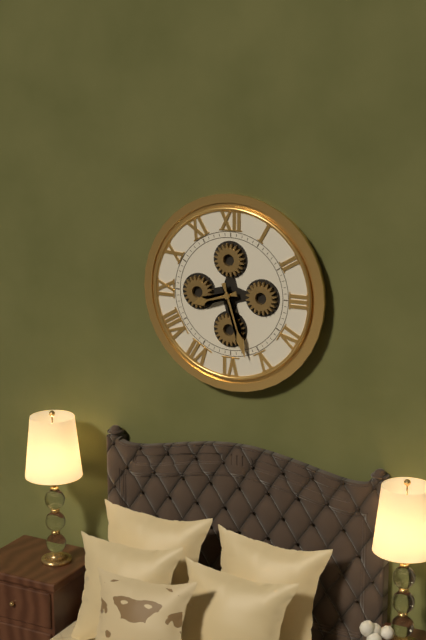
8:27
